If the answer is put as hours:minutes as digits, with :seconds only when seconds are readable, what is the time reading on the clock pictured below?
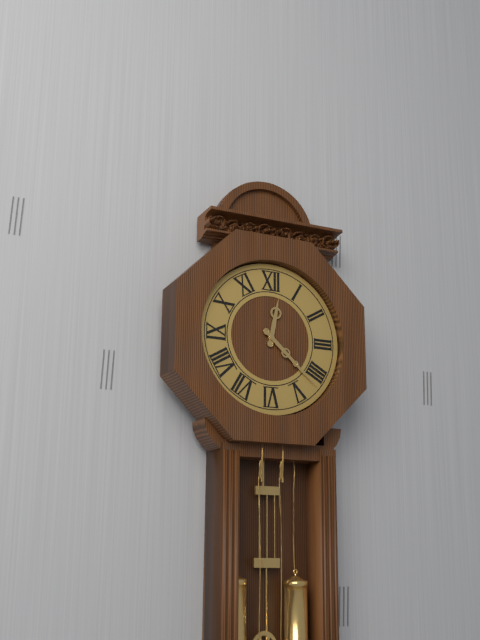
12:22
